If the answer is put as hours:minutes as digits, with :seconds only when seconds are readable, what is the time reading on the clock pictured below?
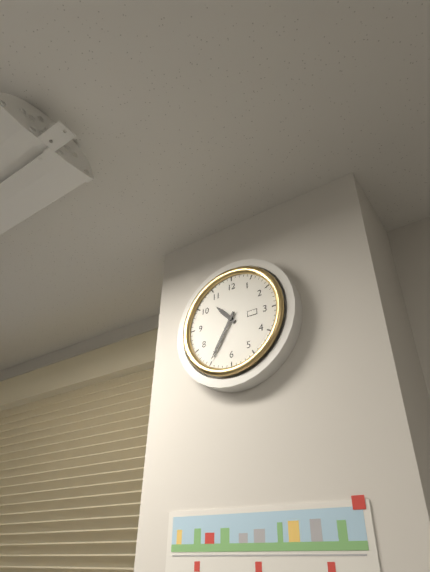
10:35
